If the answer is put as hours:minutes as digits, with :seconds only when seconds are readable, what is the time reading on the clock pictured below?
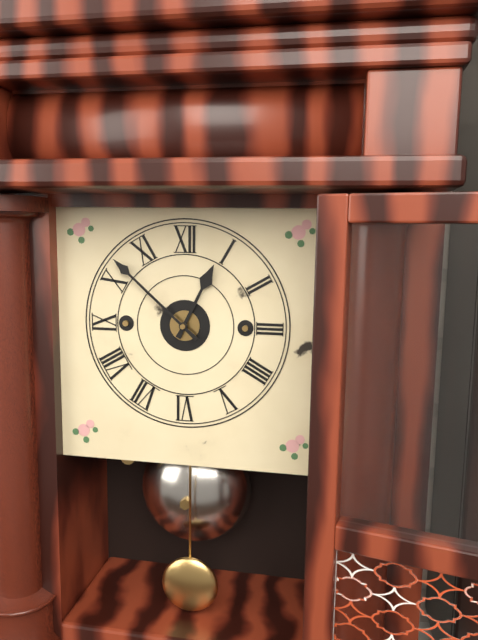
12:52
